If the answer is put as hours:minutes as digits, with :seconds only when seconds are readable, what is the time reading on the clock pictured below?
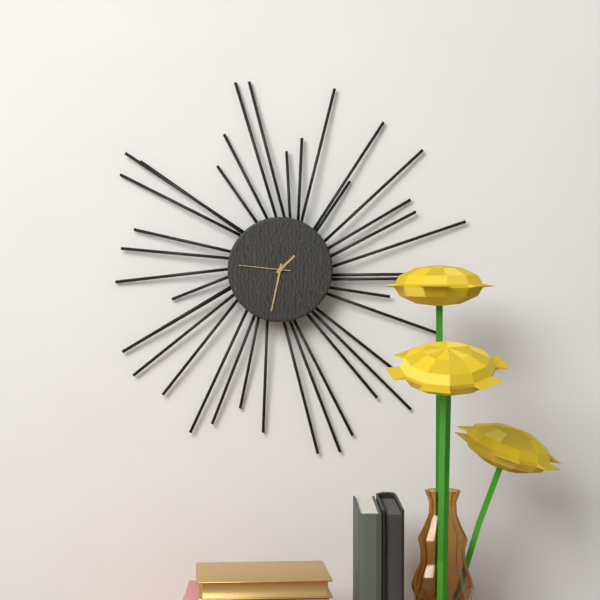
1:32:46
